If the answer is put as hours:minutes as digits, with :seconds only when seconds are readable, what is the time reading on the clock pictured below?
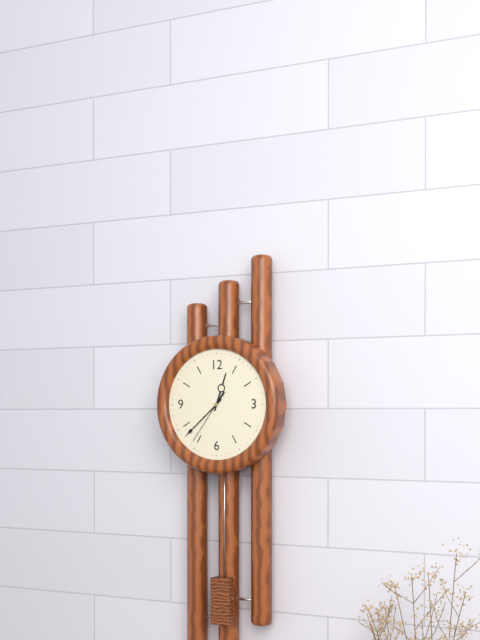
12:38:36
